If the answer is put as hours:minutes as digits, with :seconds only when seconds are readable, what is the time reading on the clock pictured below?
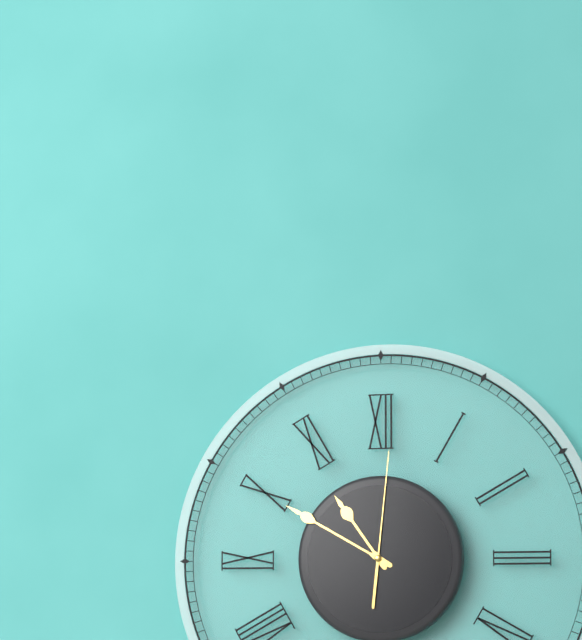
10:50:01
